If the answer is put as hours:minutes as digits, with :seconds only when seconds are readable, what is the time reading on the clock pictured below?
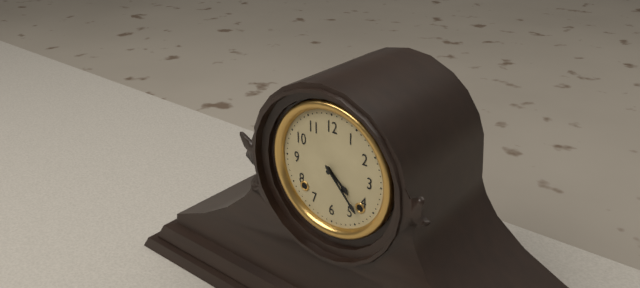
4:23
